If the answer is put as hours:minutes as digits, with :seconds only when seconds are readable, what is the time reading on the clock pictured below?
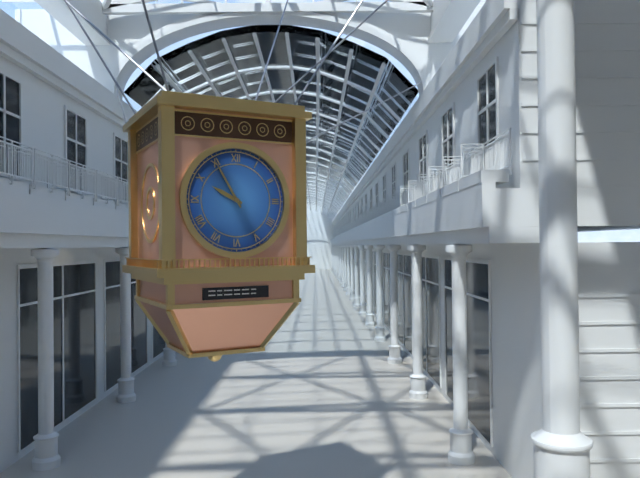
9:55
